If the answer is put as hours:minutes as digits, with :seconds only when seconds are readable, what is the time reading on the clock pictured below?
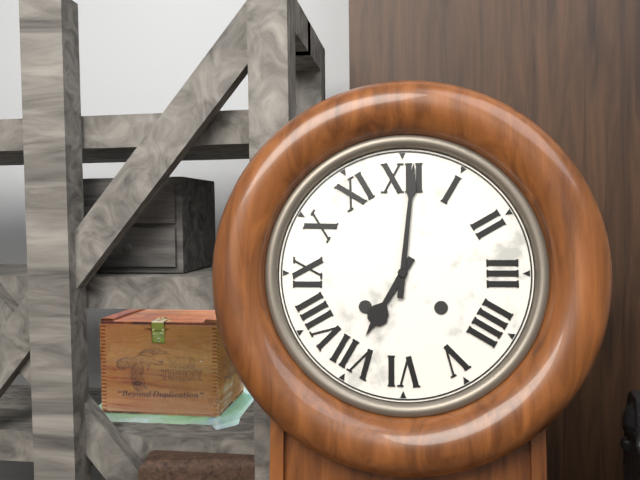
7:01
